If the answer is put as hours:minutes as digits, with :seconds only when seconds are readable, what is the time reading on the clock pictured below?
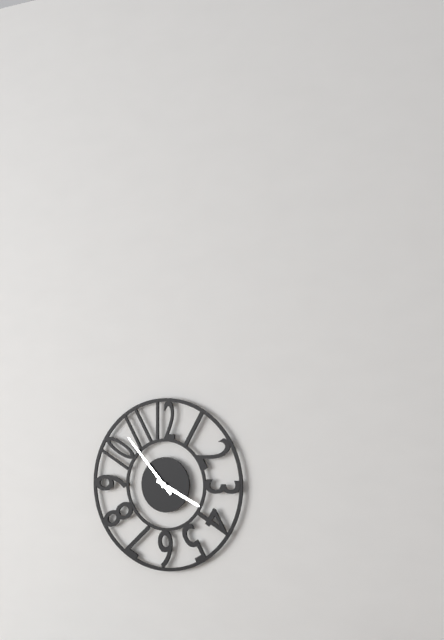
3:53
